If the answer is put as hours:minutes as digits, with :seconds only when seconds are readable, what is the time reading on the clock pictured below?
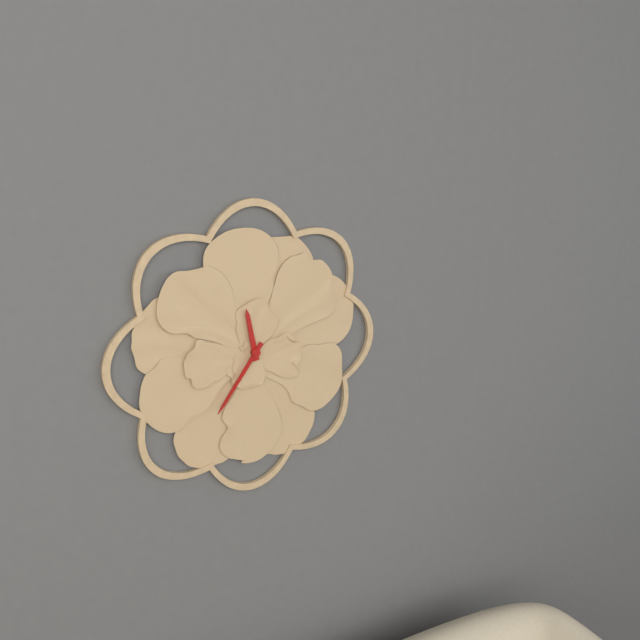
11:36
